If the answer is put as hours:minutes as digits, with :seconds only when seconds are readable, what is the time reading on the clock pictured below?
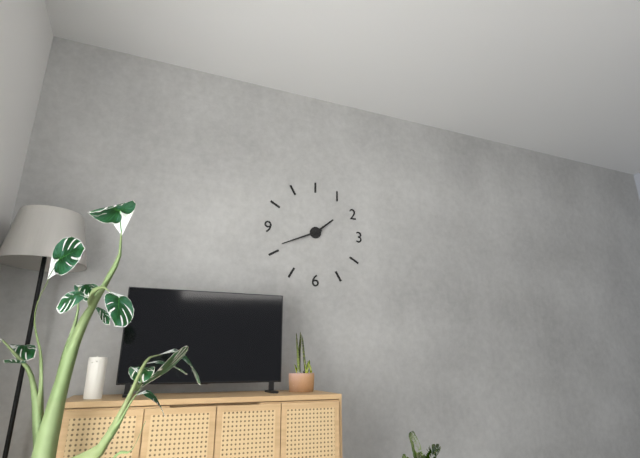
1:41
